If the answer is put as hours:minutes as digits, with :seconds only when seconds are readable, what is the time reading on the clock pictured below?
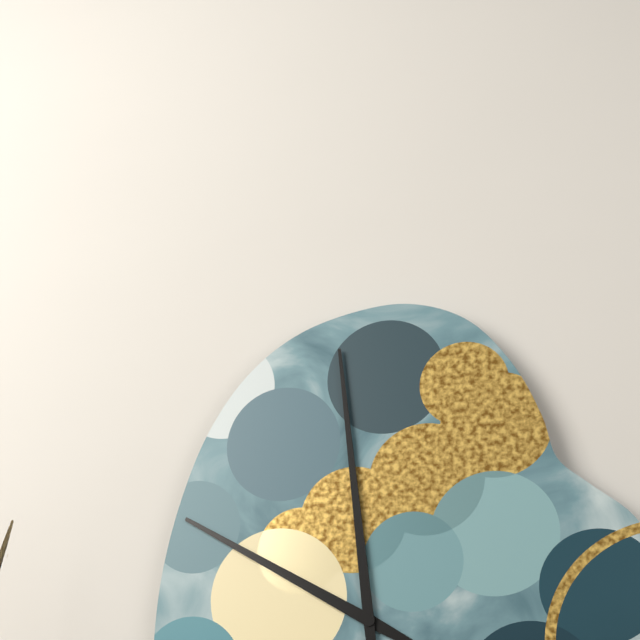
9:59
